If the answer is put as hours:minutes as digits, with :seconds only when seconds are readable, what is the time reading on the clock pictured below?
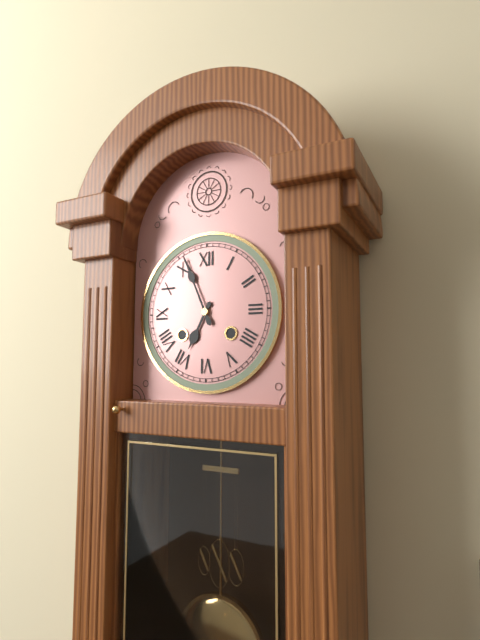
6:56
